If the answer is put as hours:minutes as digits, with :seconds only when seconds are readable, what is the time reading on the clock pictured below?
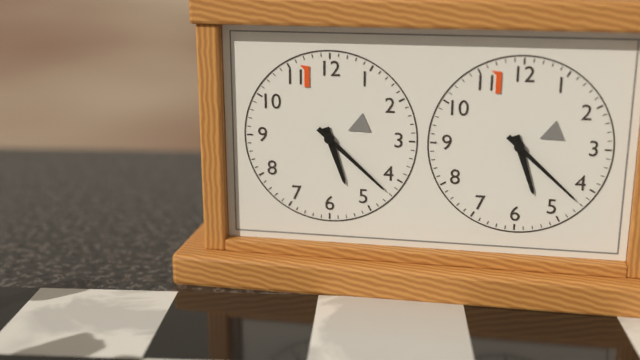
5:22
